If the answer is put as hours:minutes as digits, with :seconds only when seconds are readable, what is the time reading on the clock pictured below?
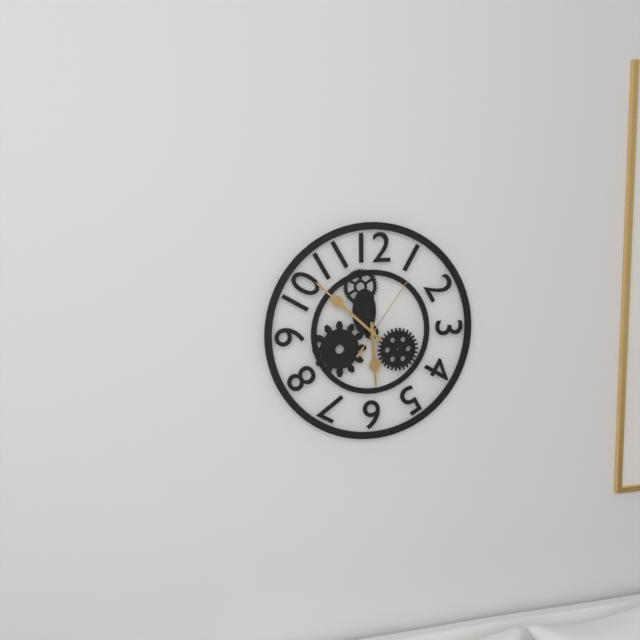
5:52:06
